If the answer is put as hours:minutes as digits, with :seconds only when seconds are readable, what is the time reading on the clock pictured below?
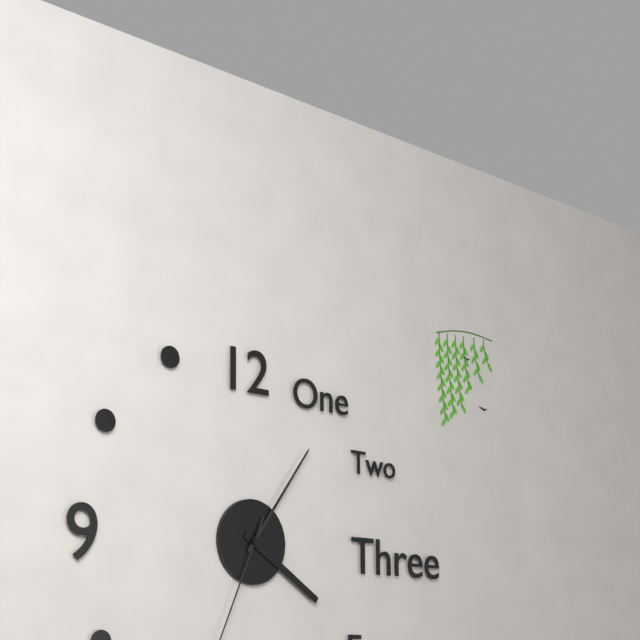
4:06
